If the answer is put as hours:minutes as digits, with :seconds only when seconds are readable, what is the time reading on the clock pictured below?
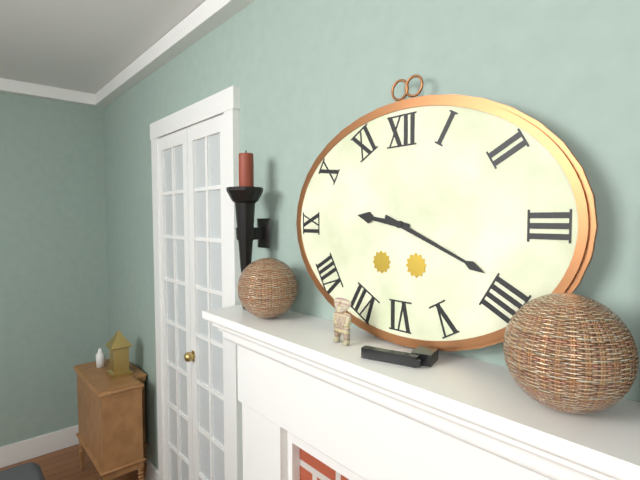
9:19
